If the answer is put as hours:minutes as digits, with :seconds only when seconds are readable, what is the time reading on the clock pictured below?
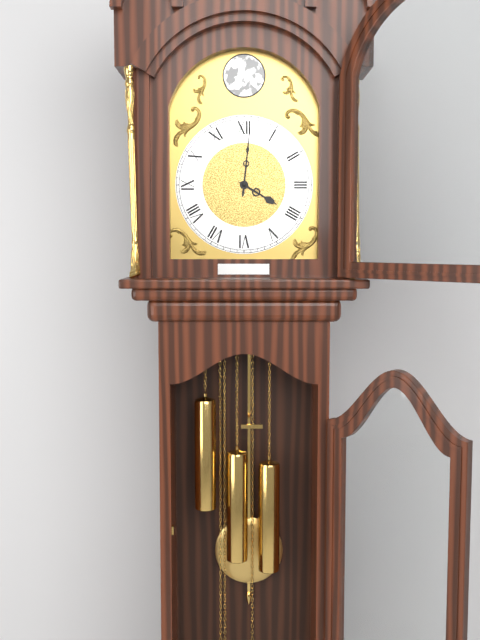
4:01
